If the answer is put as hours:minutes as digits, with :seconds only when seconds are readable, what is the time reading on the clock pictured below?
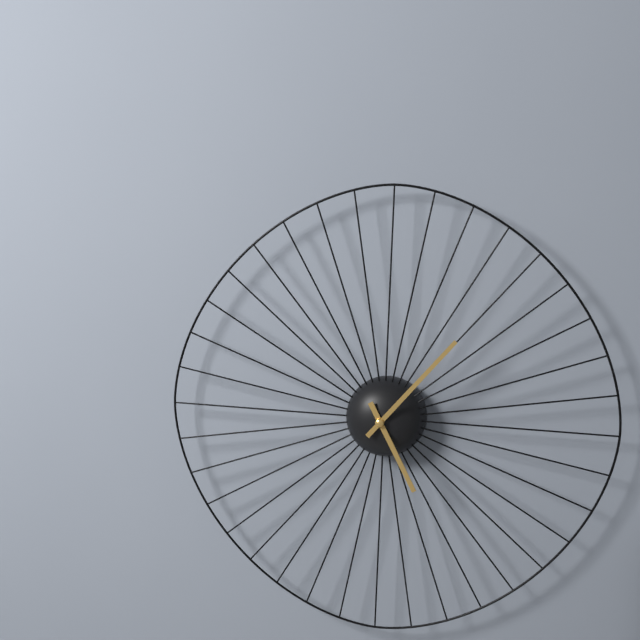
5:07
